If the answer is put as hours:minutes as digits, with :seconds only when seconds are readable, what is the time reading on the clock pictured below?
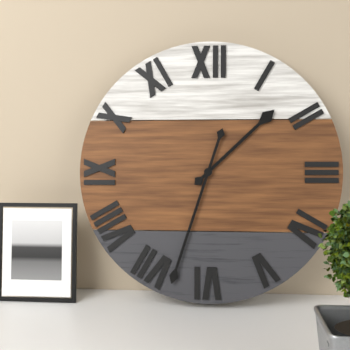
1:33
